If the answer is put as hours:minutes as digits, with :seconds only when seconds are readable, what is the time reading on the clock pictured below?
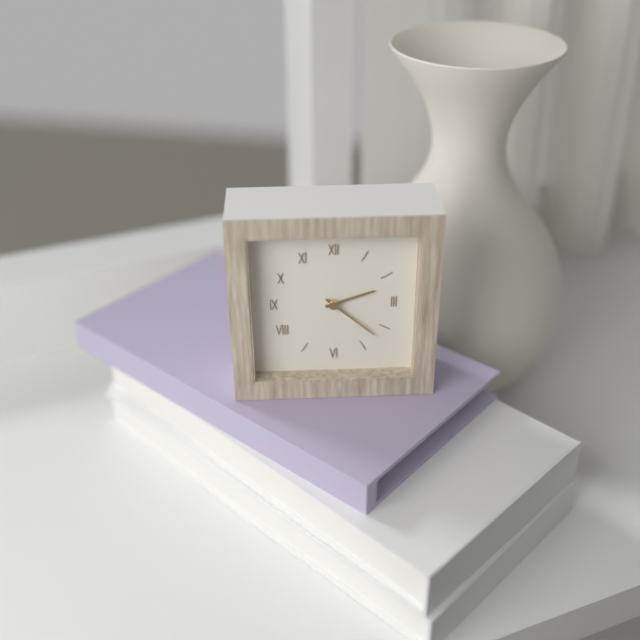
2:22
